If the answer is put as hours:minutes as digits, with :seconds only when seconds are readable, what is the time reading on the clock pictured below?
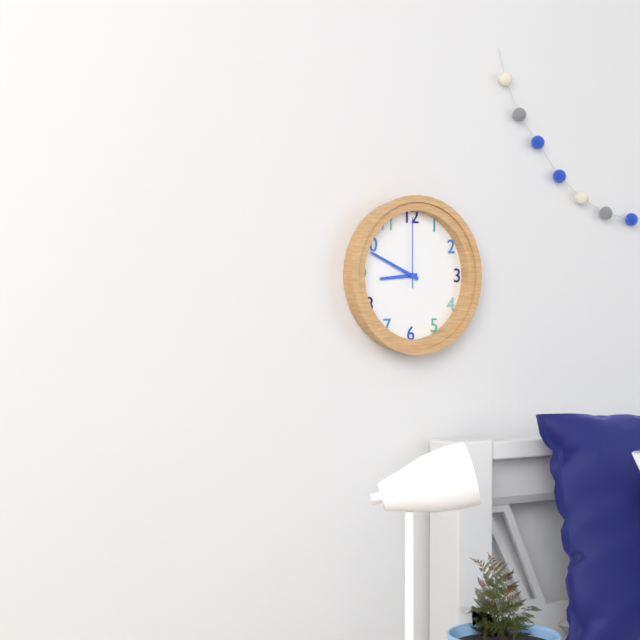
8:49:00
